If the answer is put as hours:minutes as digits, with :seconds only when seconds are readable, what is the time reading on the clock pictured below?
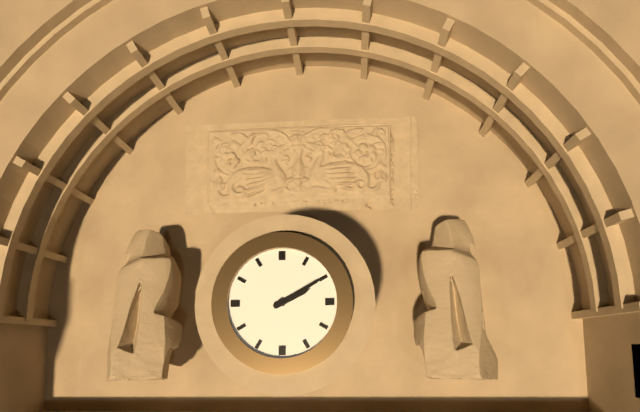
2:10
